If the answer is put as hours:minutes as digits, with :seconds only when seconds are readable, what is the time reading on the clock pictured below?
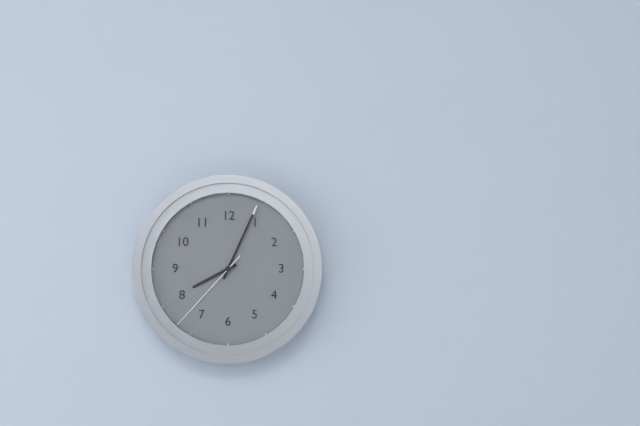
8:04:37
